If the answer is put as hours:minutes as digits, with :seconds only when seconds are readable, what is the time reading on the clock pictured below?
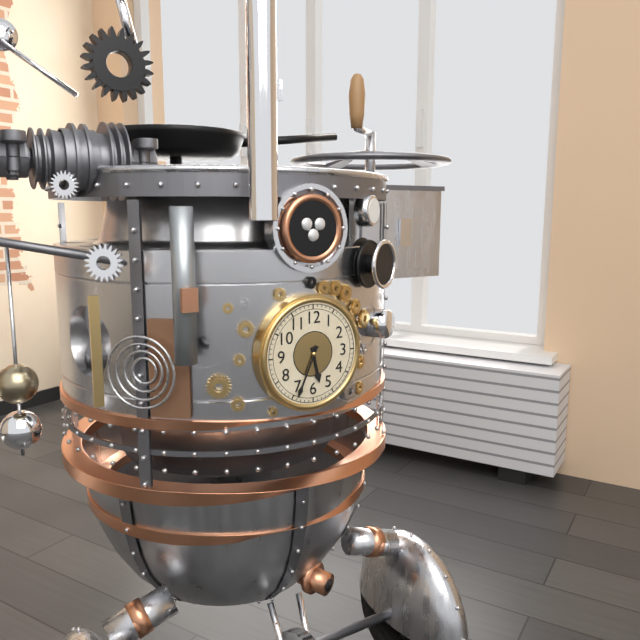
5:34
